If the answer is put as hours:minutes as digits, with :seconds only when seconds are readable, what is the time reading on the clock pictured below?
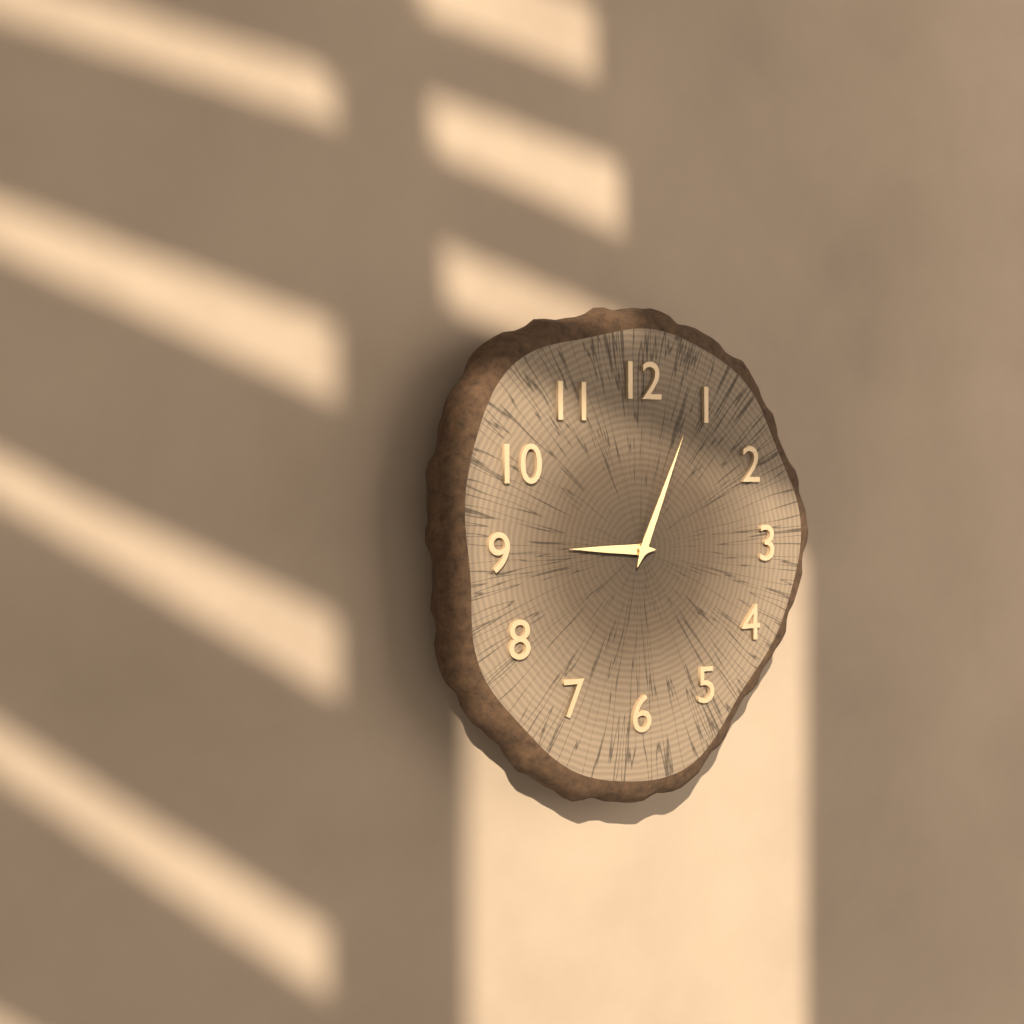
9:04
